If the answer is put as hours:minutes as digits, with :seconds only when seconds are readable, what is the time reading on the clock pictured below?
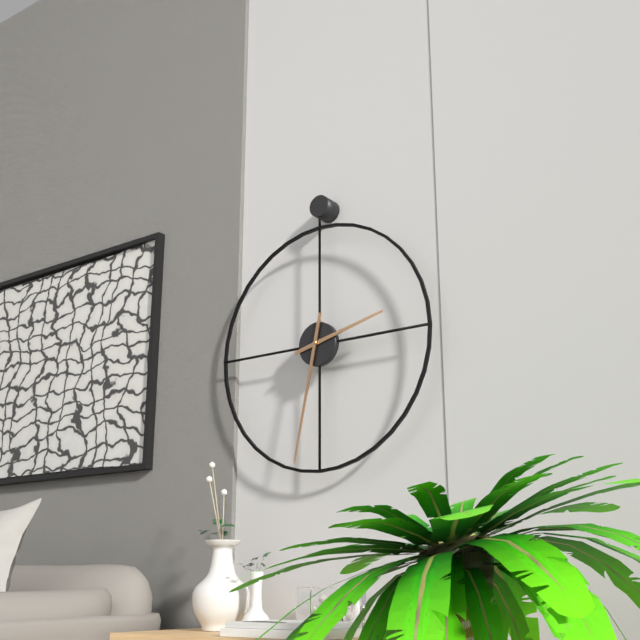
2:32
